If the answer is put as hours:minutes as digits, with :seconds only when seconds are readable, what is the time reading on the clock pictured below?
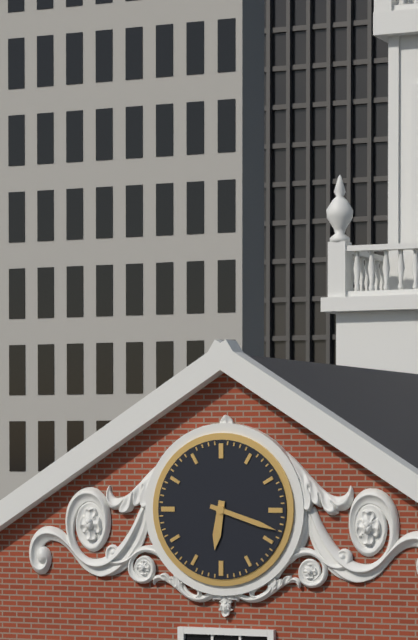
6:18
